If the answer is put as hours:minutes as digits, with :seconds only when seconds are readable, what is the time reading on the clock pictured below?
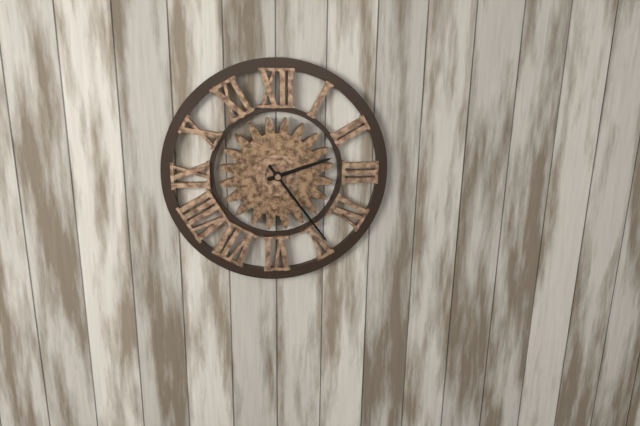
2:24
